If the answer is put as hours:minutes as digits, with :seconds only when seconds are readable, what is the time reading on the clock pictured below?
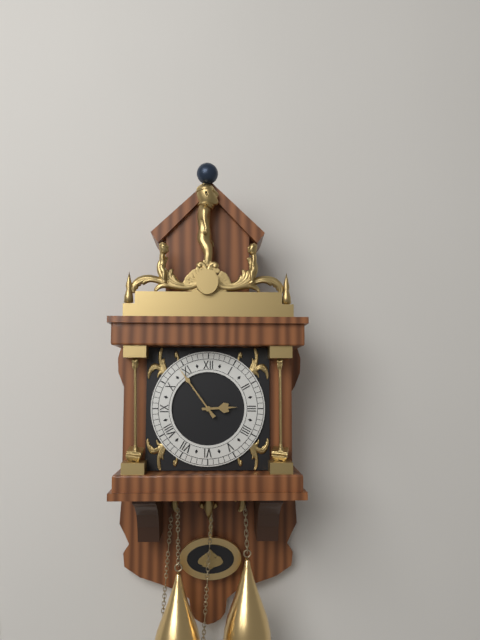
2:54
